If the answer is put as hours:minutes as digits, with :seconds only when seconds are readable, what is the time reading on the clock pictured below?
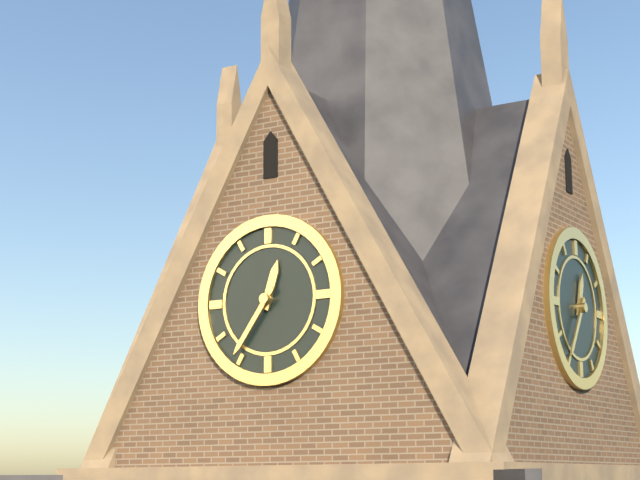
12:36
